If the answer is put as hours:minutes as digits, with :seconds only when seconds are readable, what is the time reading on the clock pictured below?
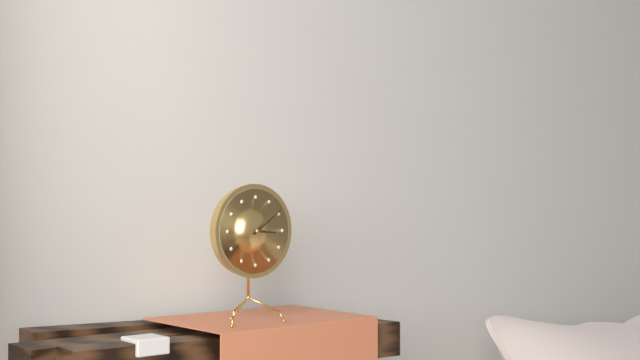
3:09
